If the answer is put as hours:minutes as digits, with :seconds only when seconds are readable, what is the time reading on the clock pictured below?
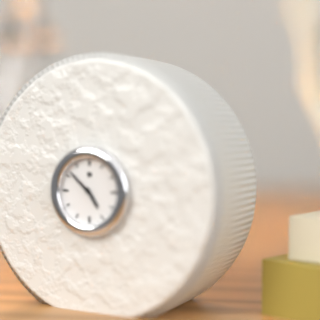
4:52
